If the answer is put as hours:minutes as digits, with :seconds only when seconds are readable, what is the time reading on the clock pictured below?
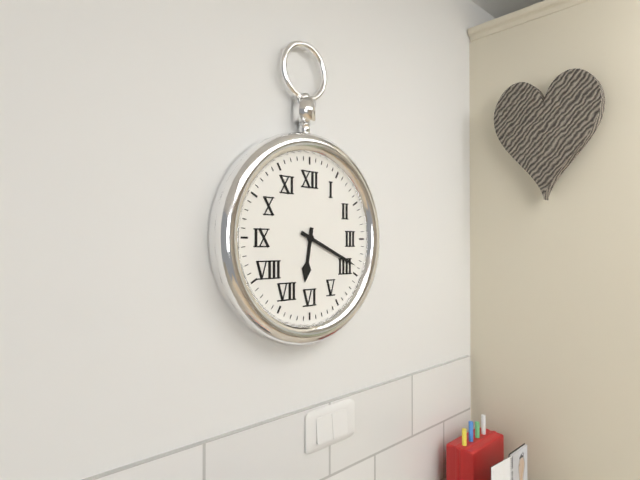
6:19
